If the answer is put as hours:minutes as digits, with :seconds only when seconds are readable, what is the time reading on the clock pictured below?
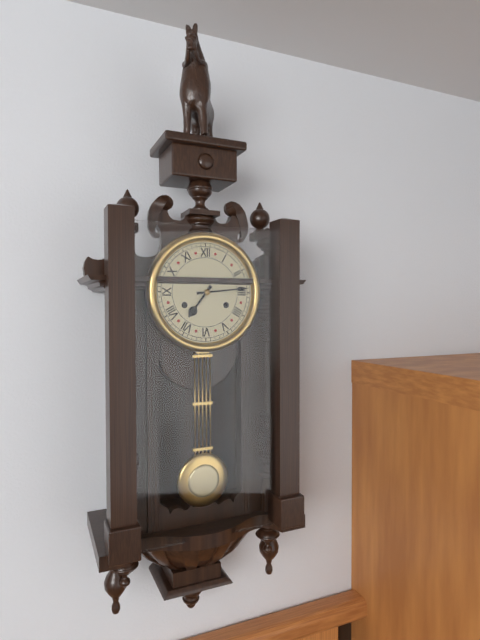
7:14
